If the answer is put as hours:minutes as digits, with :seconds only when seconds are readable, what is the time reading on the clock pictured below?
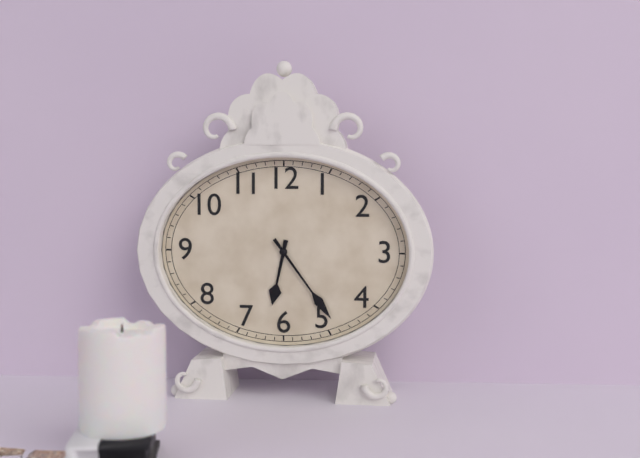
6:24
